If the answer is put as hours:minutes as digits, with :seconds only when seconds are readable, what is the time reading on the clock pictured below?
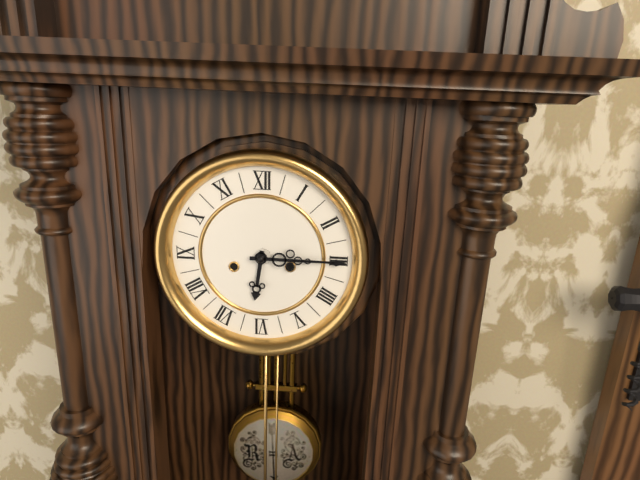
6:15
